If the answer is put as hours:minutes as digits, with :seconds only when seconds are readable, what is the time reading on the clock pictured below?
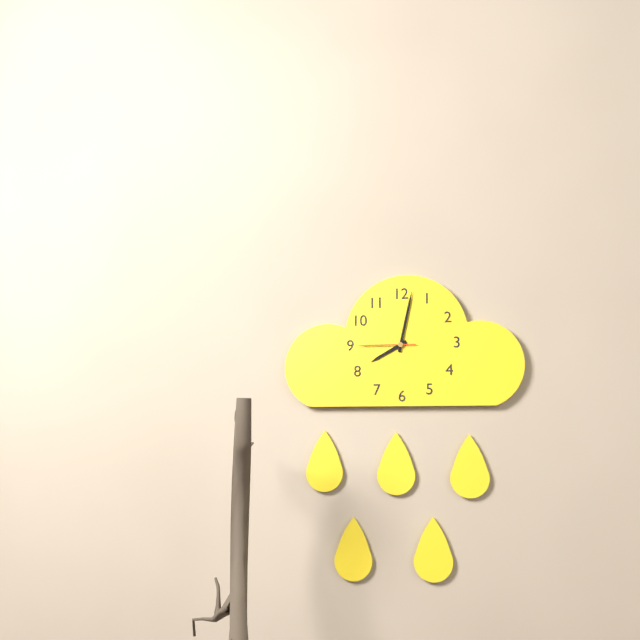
8:02:45
